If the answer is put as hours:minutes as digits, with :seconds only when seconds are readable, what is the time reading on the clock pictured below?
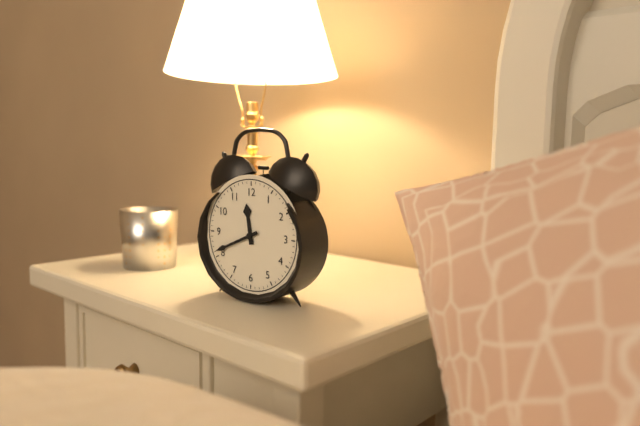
11:41
